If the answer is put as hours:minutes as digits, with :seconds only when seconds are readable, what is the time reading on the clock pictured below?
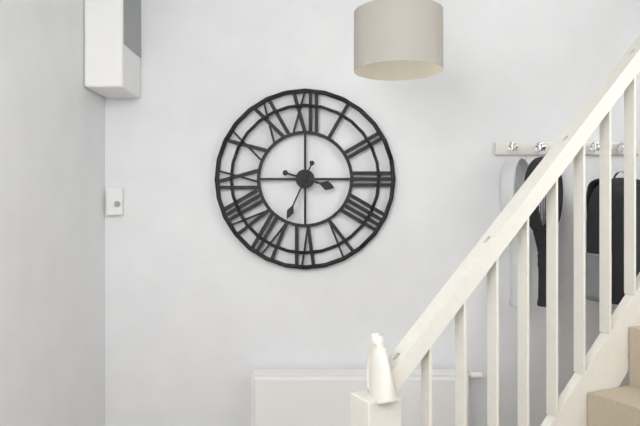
3:34
